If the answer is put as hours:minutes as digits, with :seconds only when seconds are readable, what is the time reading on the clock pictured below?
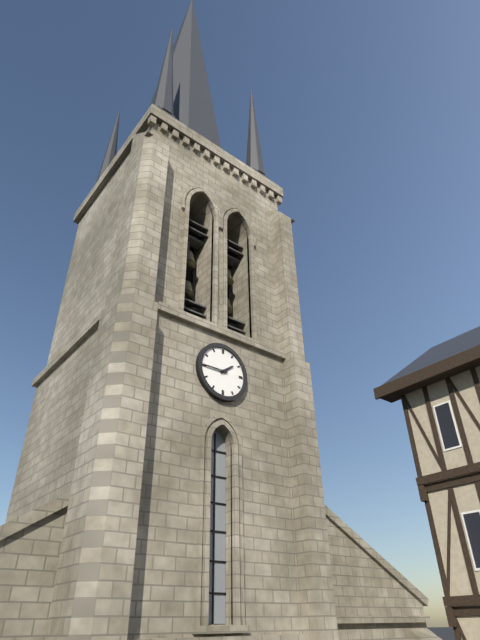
1:45
